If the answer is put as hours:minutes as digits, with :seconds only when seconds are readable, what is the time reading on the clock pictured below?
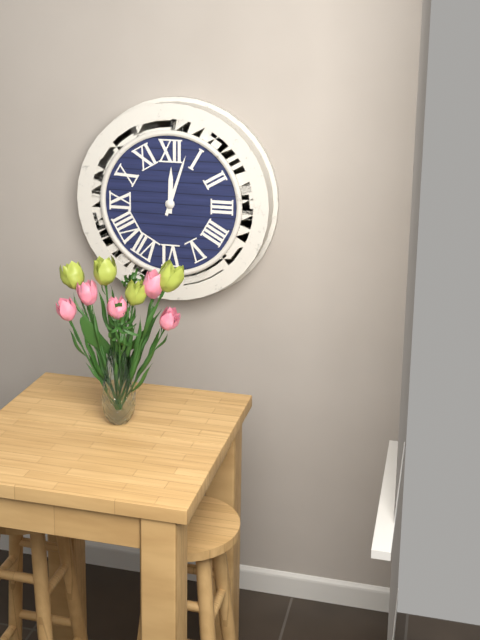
12:03
